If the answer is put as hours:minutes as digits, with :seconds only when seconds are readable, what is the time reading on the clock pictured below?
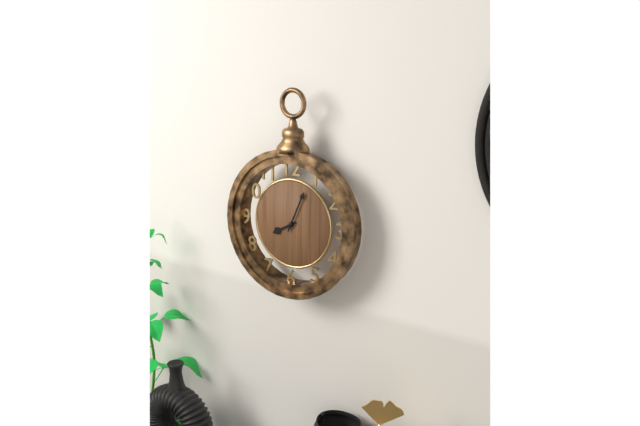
8:04
